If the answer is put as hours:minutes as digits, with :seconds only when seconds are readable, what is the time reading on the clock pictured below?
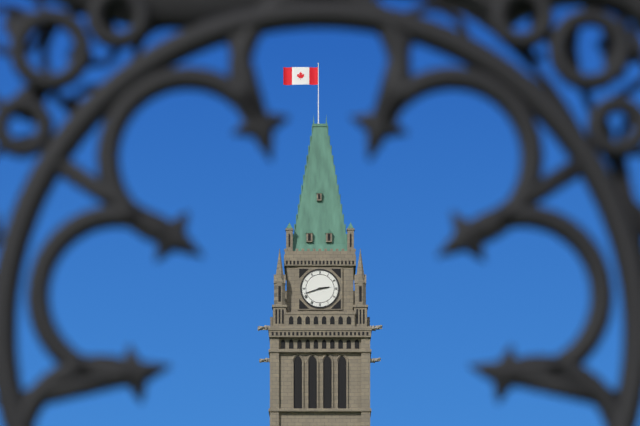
2:42
